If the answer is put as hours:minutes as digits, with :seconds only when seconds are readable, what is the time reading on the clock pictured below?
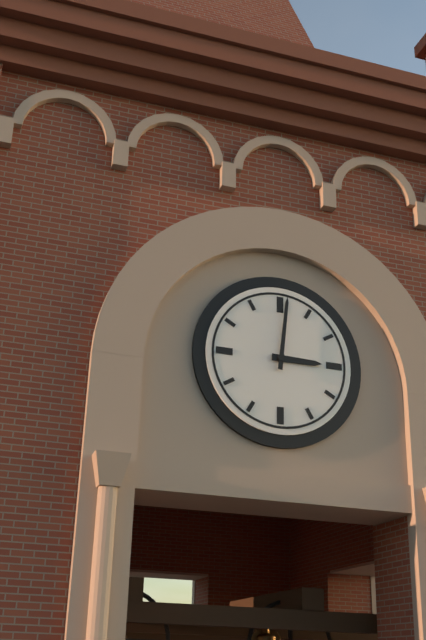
3:01
